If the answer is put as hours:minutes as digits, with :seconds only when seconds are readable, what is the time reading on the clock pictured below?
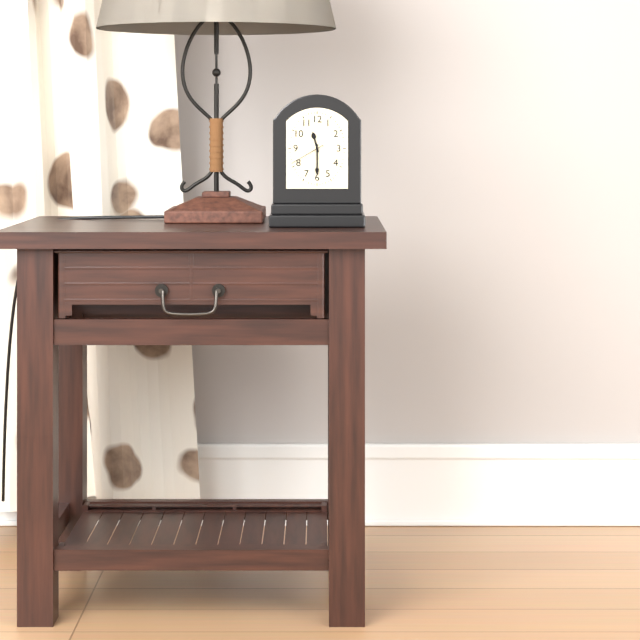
11:30
